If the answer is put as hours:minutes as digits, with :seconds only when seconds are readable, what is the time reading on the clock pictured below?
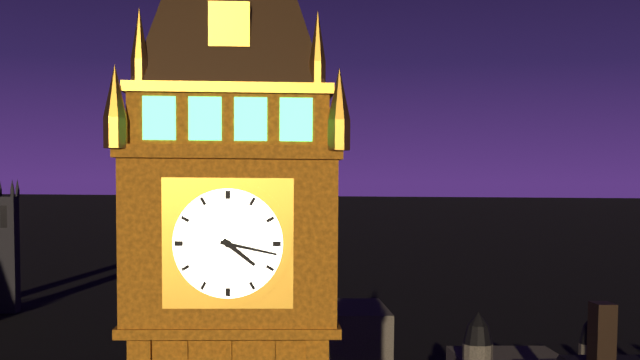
4:17
